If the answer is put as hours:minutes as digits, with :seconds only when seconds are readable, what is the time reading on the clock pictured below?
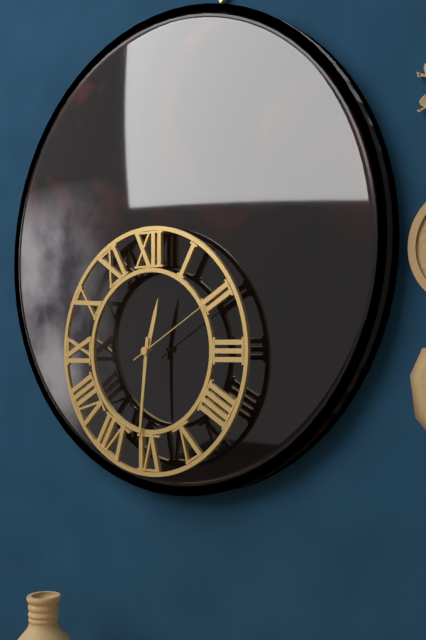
12:31:10
